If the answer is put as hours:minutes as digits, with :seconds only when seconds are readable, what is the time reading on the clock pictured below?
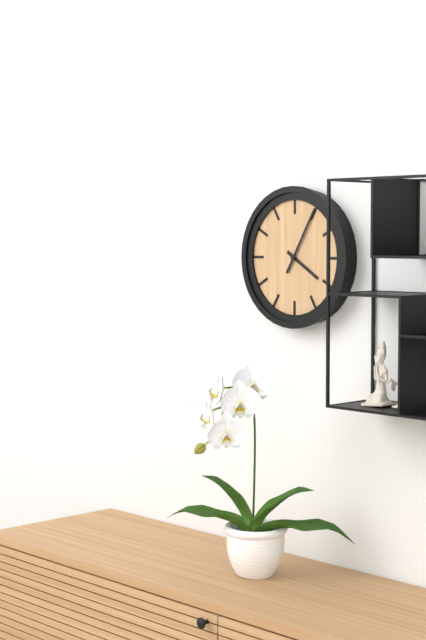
4:05
